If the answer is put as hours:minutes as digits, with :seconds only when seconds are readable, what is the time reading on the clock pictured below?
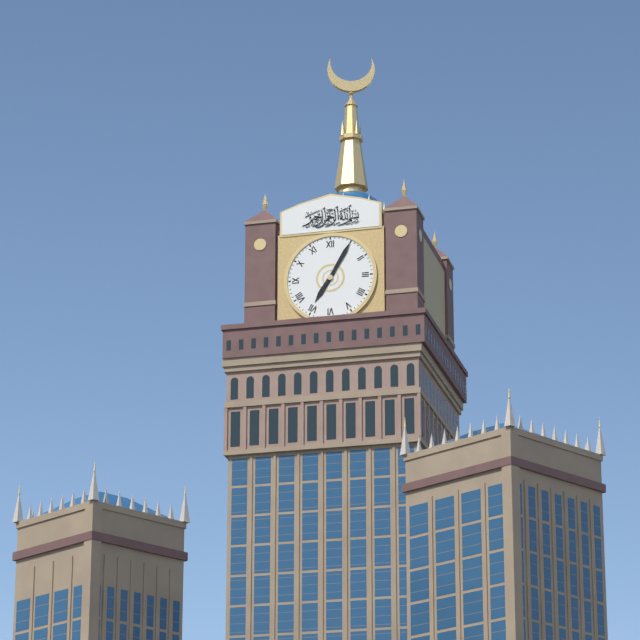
7:05
